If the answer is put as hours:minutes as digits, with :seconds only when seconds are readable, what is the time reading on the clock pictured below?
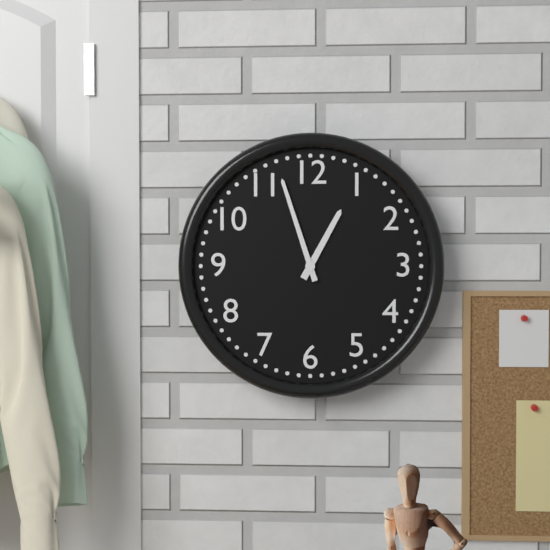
12:57
